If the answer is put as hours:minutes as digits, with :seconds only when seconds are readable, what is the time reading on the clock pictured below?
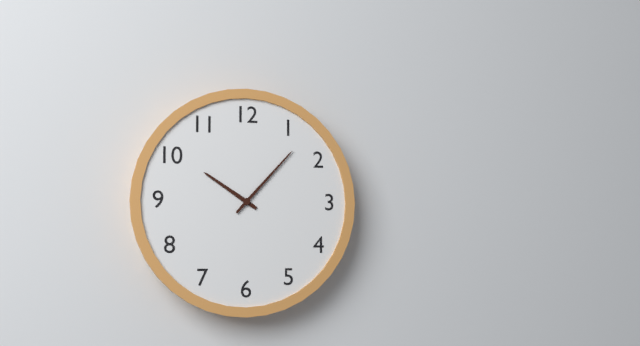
10:07
